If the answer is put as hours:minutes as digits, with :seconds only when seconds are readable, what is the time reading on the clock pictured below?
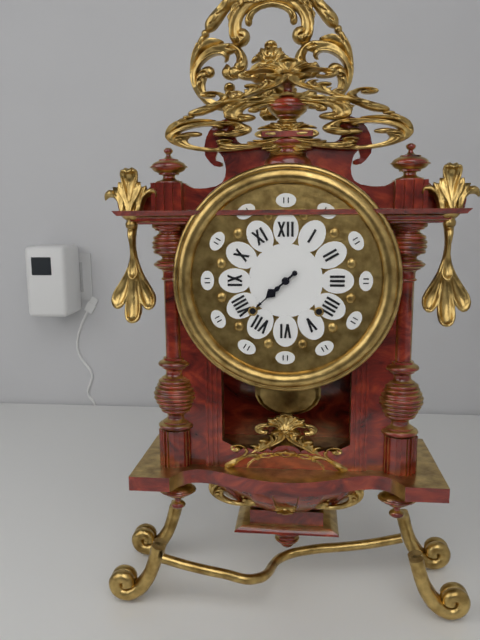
7:38
